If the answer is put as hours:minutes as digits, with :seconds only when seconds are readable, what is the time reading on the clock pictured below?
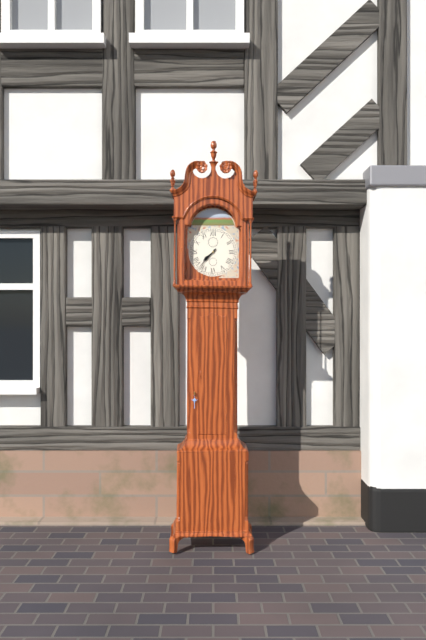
7:37
